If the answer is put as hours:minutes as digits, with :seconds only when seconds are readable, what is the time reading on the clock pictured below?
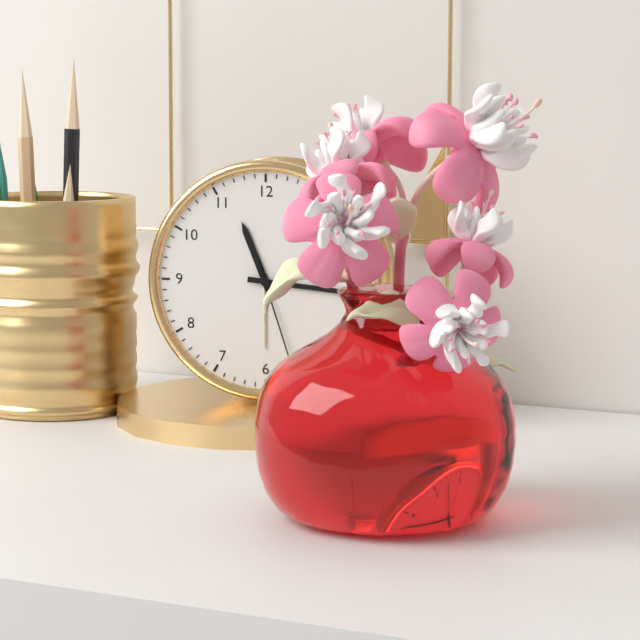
11:16:27
